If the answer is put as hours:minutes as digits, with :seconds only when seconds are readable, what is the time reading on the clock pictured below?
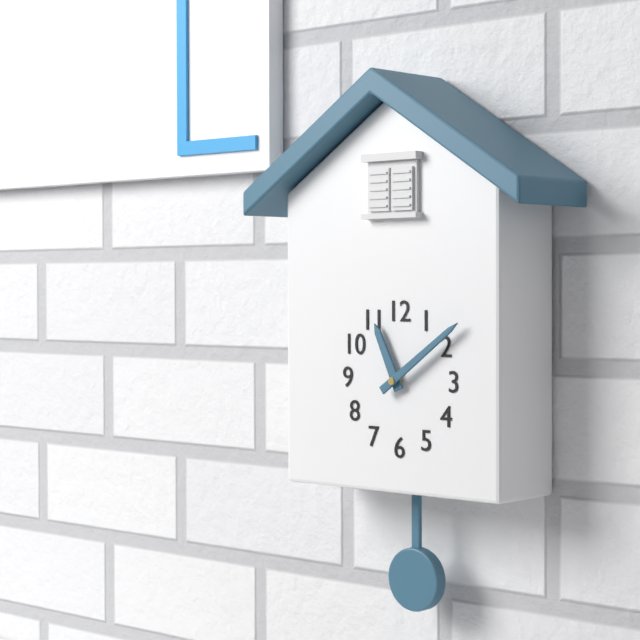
11:09
